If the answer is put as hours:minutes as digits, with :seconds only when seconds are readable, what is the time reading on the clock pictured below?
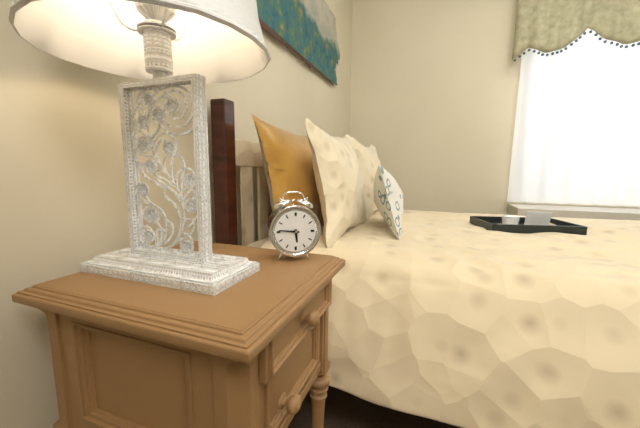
5:46
